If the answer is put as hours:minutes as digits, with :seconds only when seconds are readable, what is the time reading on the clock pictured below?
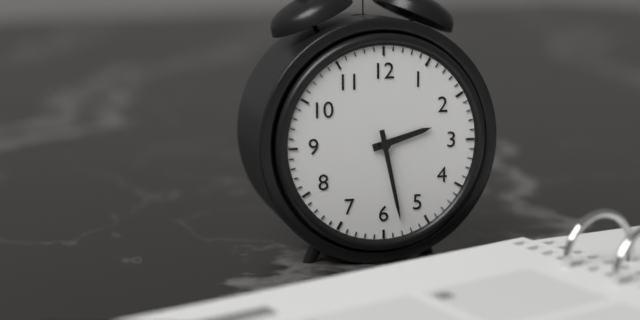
2:28
